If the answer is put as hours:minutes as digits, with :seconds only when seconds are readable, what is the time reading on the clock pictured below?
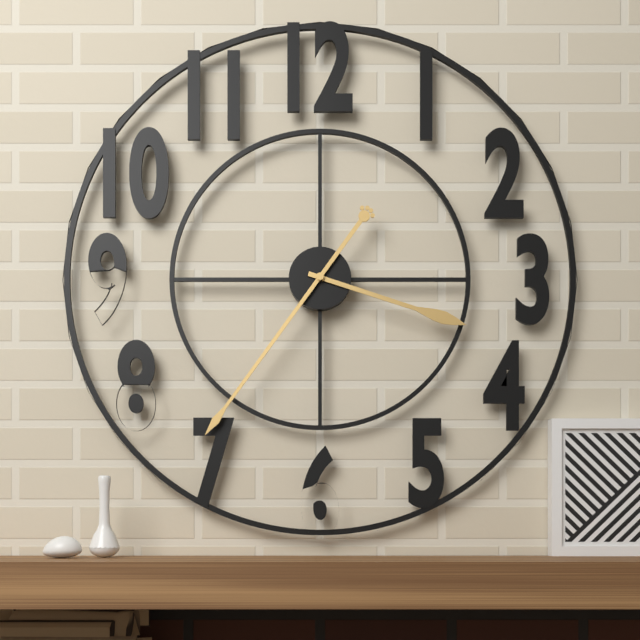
3:36
